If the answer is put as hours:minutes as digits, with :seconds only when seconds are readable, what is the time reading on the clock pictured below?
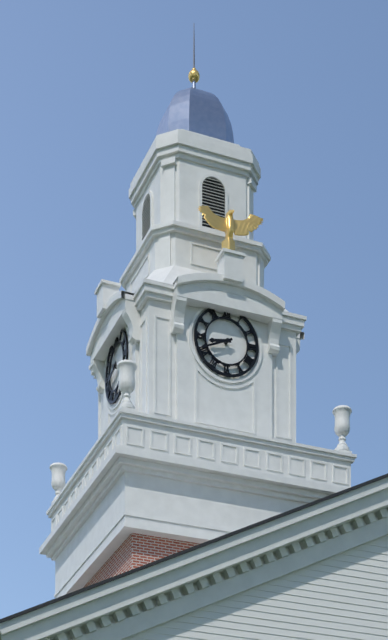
8:41
